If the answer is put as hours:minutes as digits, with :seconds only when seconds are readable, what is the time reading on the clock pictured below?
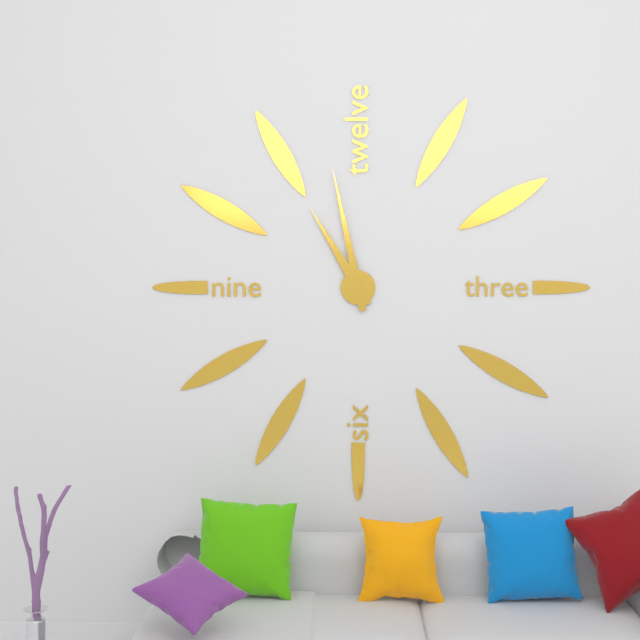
10:58
